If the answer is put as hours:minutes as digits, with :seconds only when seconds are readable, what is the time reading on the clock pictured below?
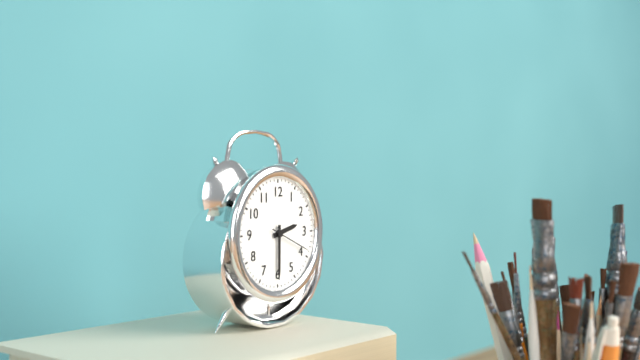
2:30
